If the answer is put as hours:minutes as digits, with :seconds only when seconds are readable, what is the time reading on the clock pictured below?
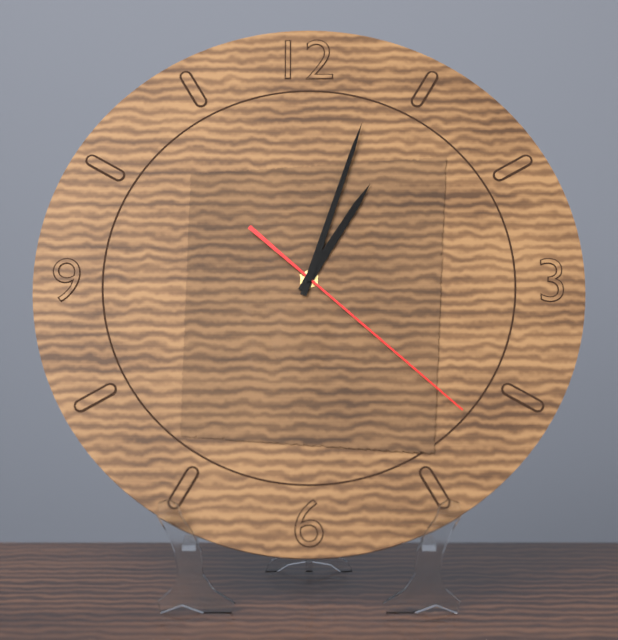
1:03:22
